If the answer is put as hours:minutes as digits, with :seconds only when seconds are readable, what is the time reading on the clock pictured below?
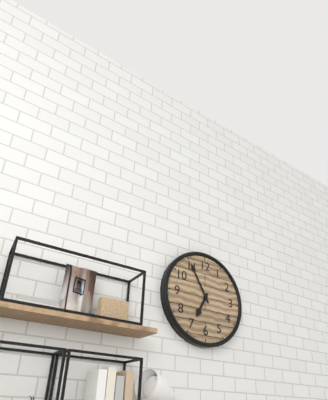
6:55
